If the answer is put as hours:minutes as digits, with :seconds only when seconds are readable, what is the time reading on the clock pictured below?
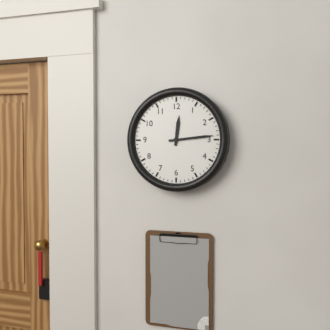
12:14
